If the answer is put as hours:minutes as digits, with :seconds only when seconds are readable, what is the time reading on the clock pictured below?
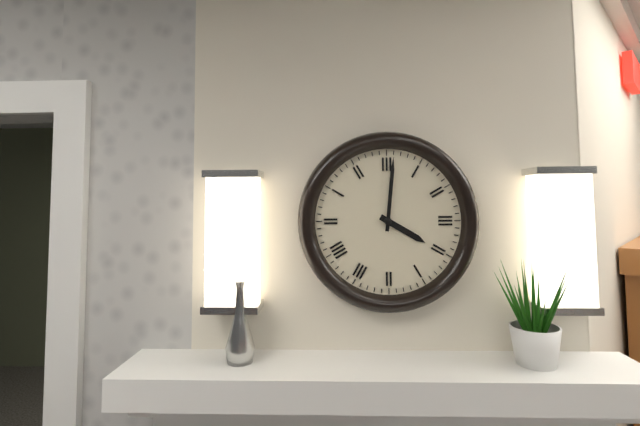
4:01
